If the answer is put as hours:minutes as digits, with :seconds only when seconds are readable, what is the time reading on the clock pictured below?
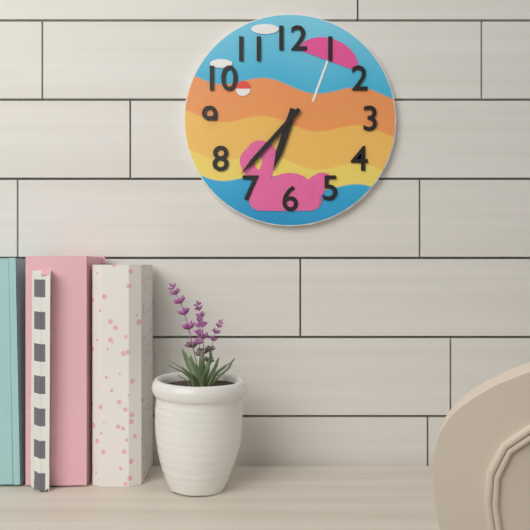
6:37
